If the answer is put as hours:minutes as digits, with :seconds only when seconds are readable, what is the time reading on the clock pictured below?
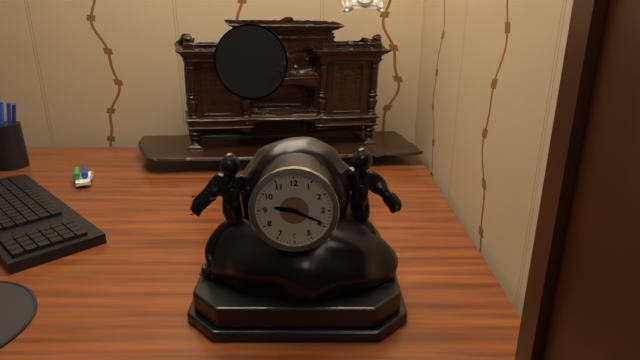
9:19
